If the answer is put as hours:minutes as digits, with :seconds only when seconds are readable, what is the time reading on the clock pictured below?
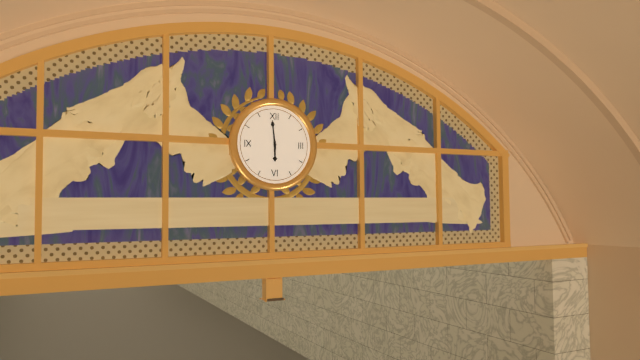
5:59
